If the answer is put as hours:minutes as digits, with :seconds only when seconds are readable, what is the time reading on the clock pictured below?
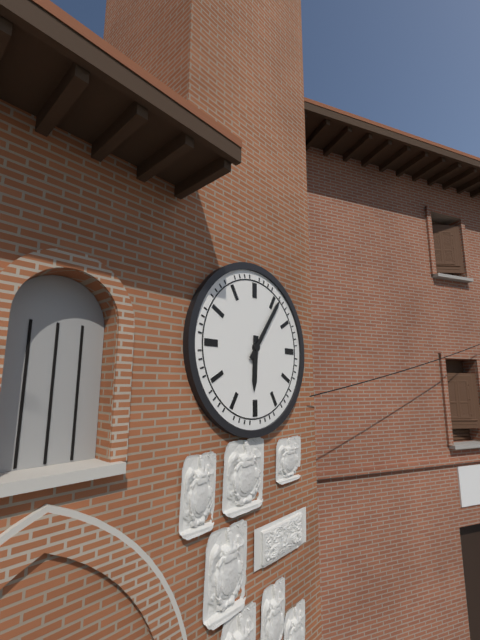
6:06
